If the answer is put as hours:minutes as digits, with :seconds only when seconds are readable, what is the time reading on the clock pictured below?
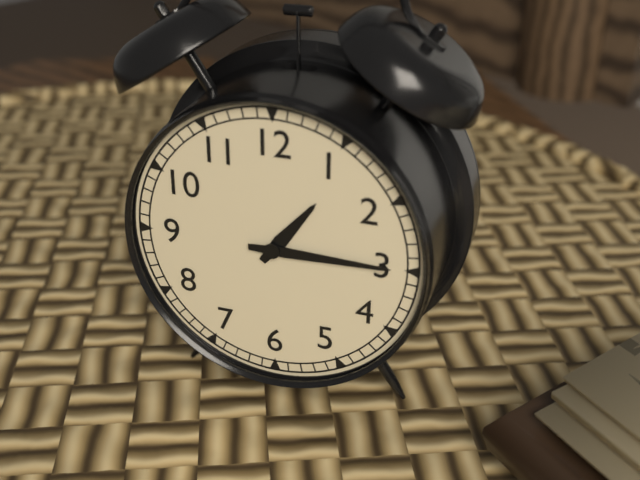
1:15
